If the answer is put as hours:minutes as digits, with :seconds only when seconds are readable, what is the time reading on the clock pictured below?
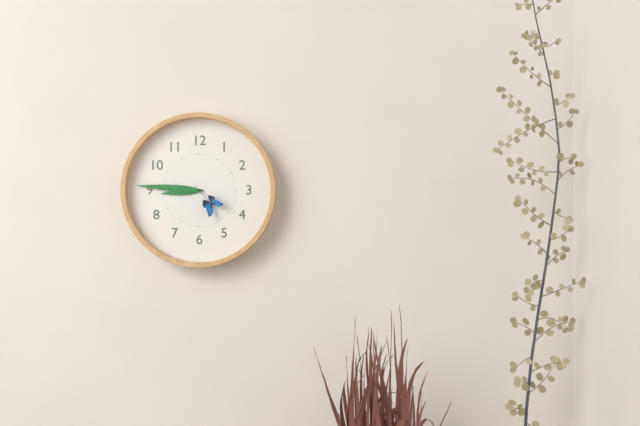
8:46
